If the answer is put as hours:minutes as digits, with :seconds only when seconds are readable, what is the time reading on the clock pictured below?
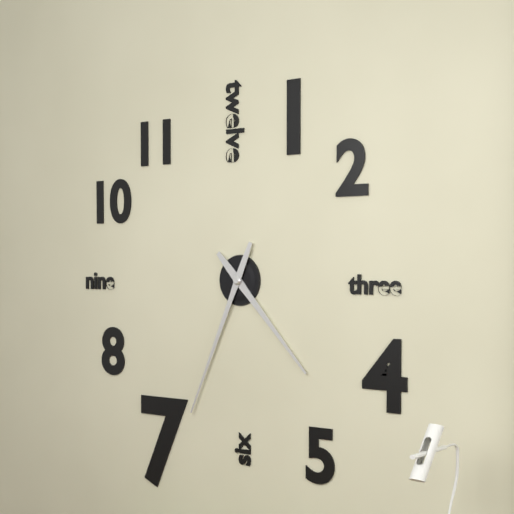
4:34
